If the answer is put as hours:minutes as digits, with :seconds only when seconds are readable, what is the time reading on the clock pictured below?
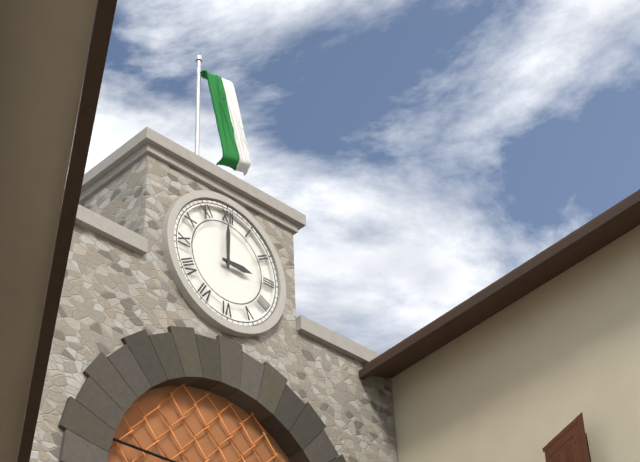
3:00
